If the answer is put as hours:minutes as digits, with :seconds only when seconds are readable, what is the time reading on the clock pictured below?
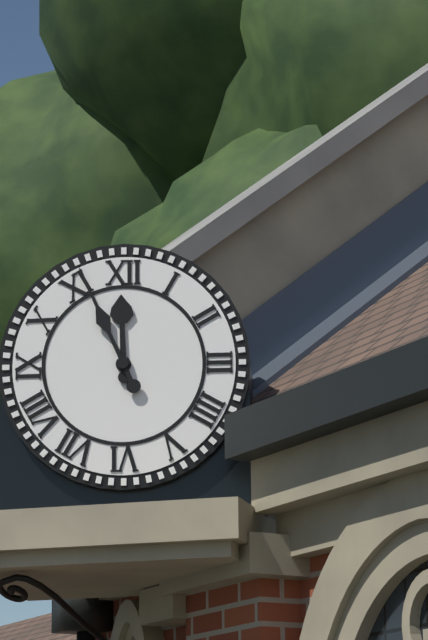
11:56
